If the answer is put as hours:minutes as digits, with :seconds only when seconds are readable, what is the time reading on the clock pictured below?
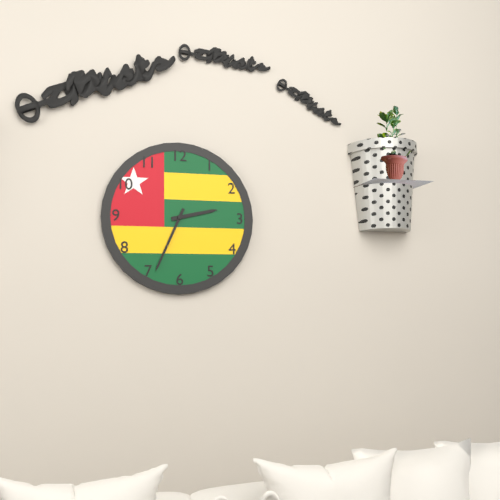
2:34
